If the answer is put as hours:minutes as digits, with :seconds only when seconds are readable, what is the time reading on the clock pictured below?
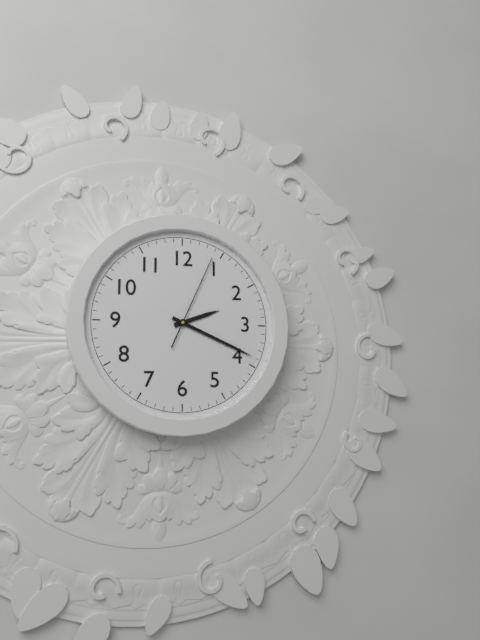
2:19:04
